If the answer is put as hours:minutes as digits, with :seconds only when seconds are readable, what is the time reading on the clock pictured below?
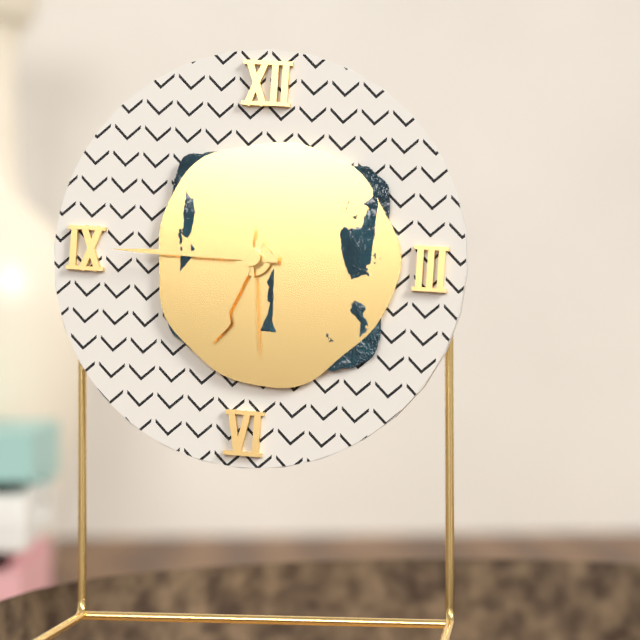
6:45:29
